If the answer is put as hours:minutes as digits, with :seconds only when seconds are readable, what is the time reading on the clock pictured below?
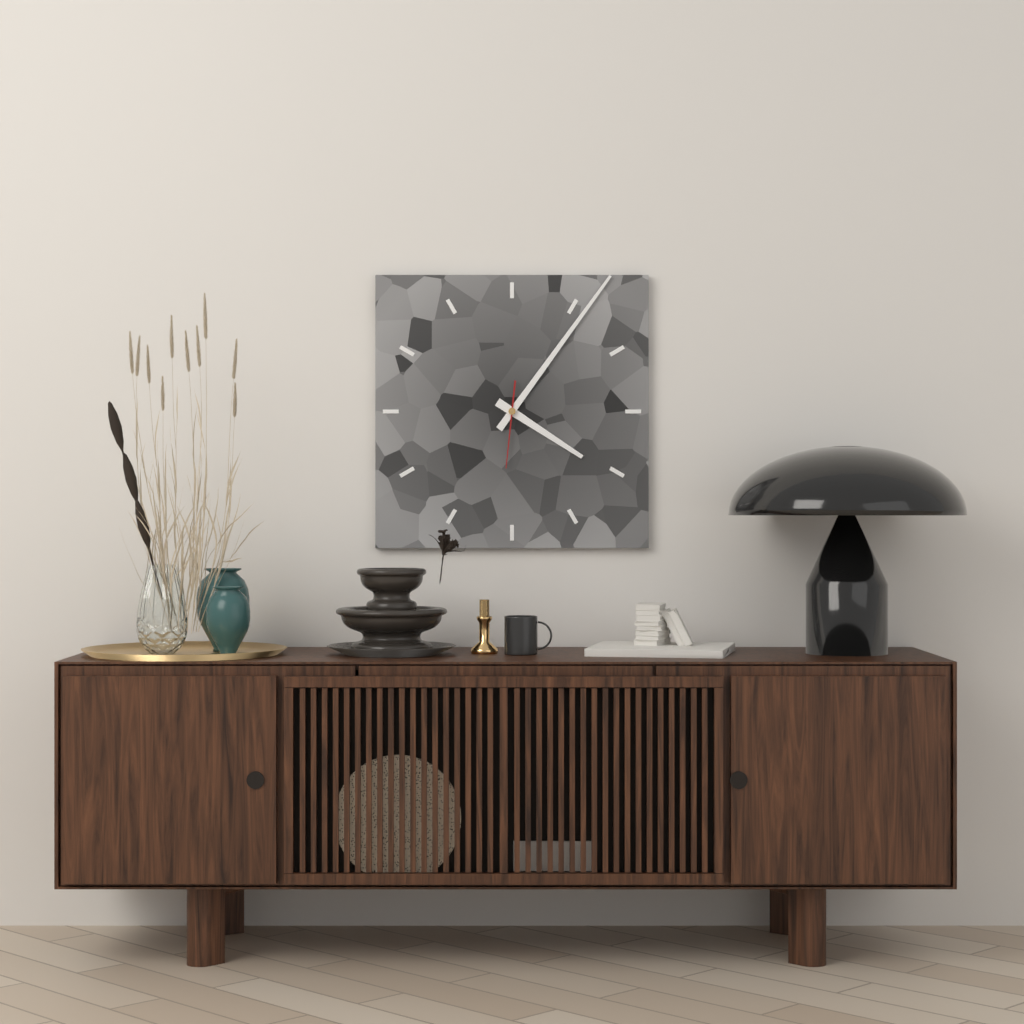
4:06:31
